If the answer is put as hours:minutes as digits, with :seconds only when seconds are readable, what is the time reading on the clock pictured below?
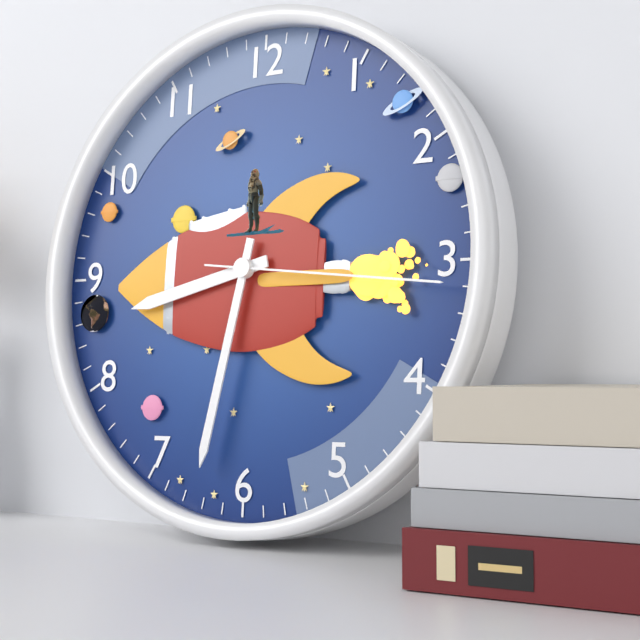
8:32:16
